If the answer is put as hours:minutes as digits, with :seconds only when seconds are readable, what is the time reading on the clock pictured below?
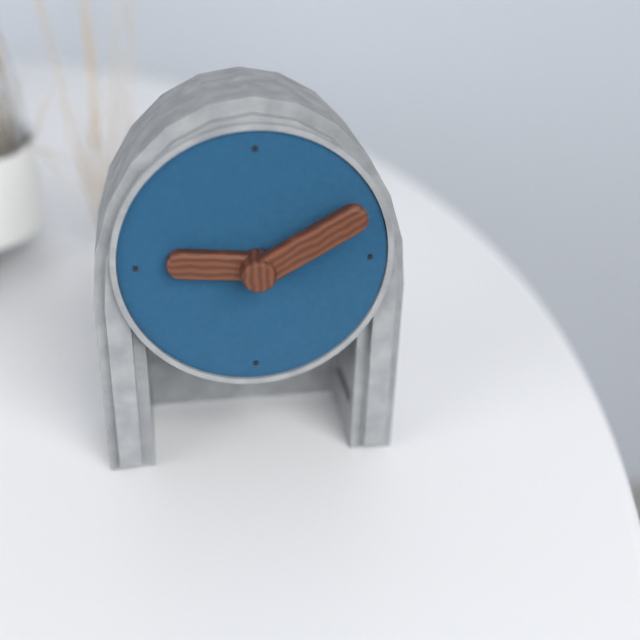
9:10
